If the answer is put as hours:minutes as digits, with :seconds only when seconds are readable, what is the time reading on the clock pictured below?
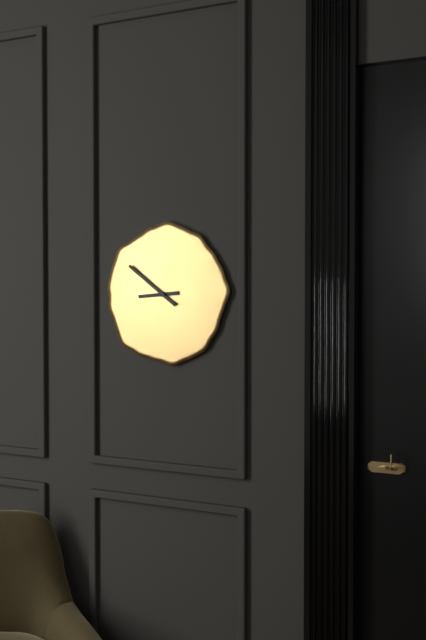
8:51
